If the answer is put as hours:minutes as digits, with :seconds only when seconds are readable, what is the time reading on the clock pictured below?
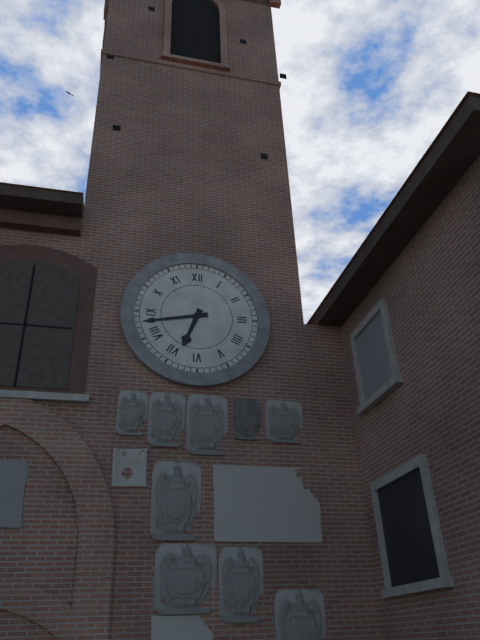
6:43
